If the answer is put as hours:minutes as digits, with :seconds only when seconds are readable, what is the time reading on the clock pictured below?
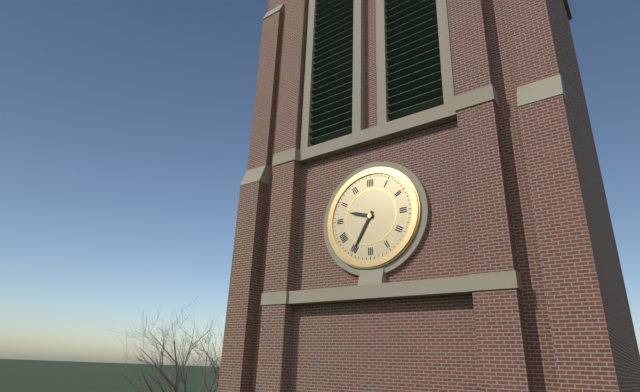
9:35
